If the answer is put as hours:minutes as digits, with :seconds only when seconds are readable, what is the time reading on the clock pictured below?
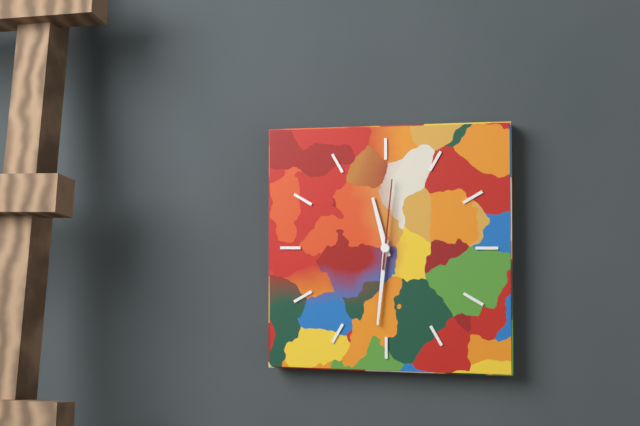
11:31:01
